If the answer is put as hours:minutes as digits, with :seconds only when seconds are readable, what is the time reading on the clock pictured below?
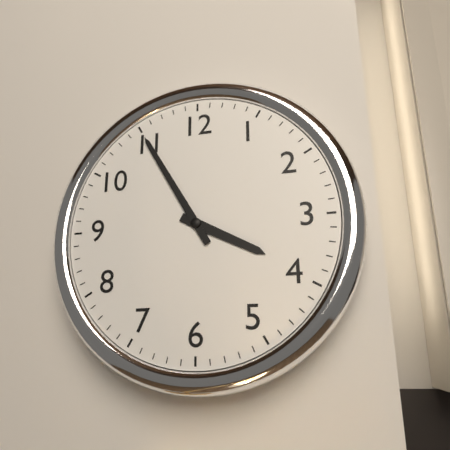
3:55
